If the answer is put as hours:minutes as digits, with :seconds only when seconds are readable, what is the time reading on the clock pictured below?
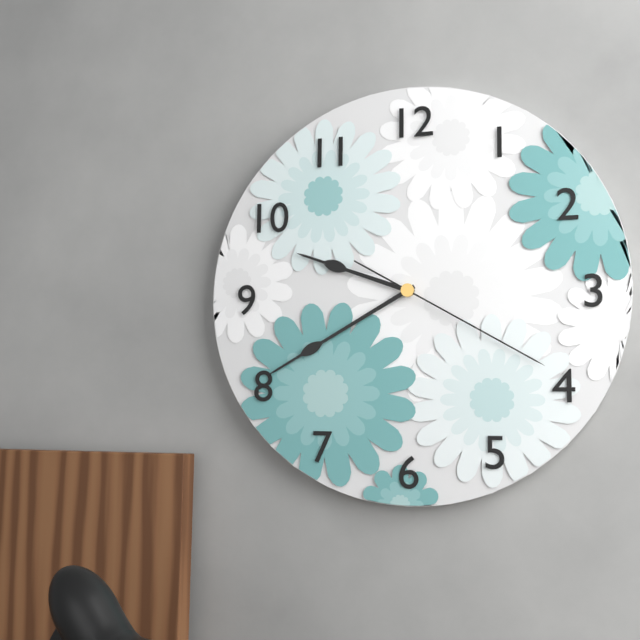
9:40:20
